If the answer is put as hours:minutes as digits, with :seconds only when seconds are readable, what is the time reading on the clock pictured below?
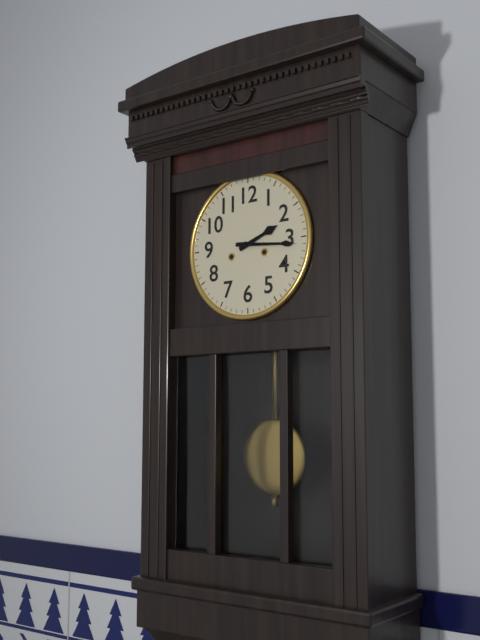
2:16
